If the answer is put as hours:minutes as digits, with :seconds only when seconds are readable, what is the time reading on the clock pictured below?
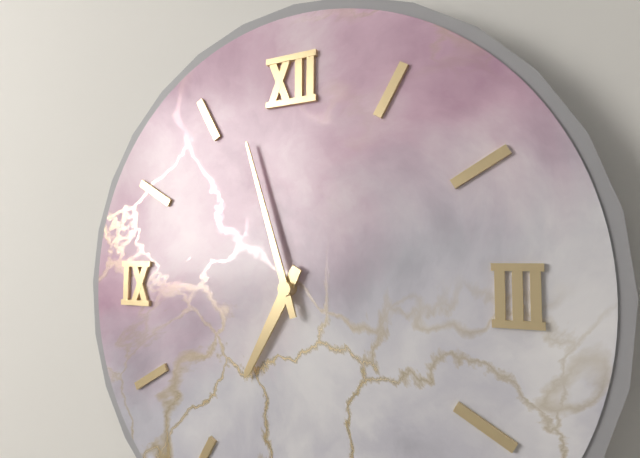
6:57
